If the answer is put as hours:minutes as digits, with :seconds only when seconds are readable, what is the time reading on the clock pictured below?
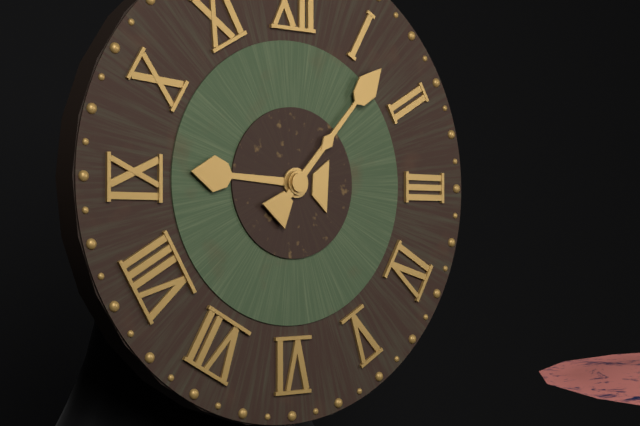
9:07
